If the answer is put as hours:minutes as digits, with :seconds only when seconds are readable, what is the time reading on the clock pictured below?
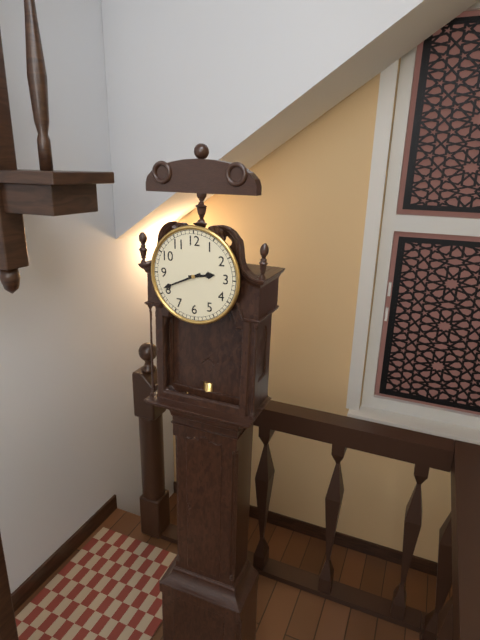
2:41
